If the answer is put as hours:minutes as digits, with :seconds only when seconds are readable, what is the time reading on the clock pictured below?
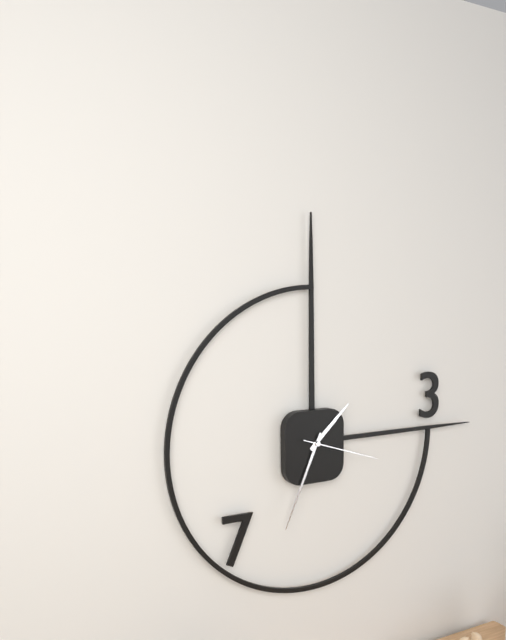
1:34:18
